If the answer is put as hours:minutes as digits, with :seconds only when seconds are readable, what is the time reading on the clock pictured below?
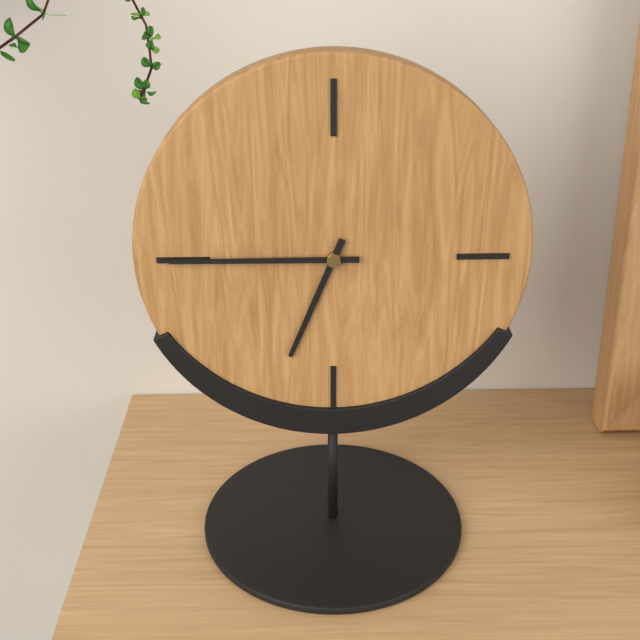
6:45
